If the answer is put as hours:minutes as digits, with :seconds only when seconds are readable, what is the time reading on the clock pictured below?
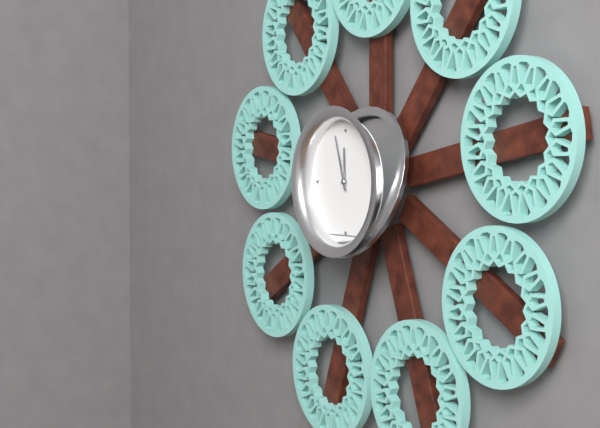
11:57
